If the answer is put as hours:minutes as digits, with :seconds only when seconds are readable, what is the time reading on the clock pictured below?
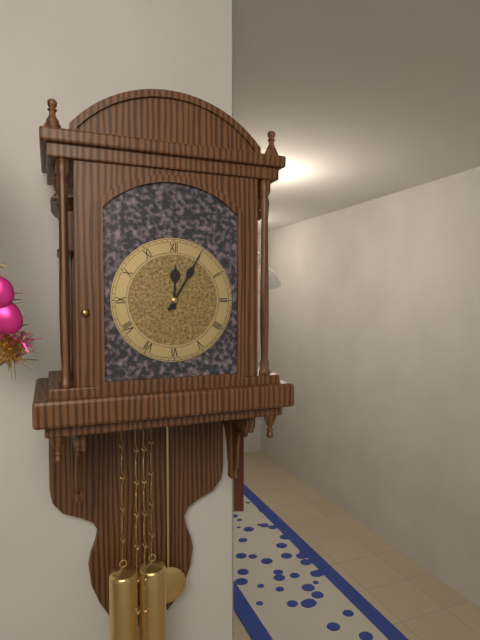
12:05
